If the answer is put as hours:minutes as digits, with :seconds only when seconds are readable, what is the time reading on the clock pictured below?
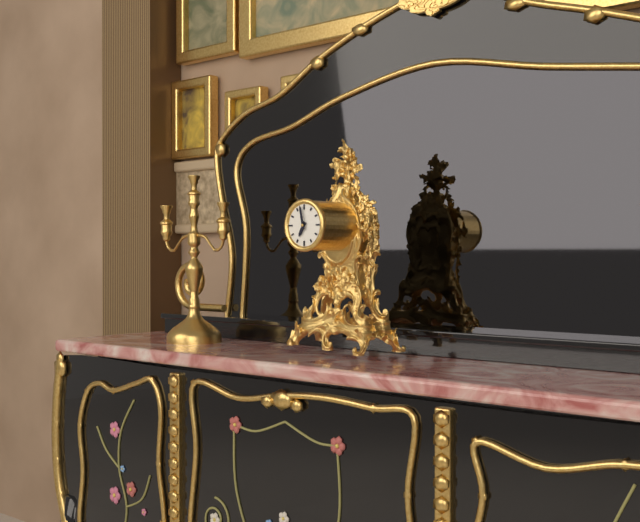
6:58
